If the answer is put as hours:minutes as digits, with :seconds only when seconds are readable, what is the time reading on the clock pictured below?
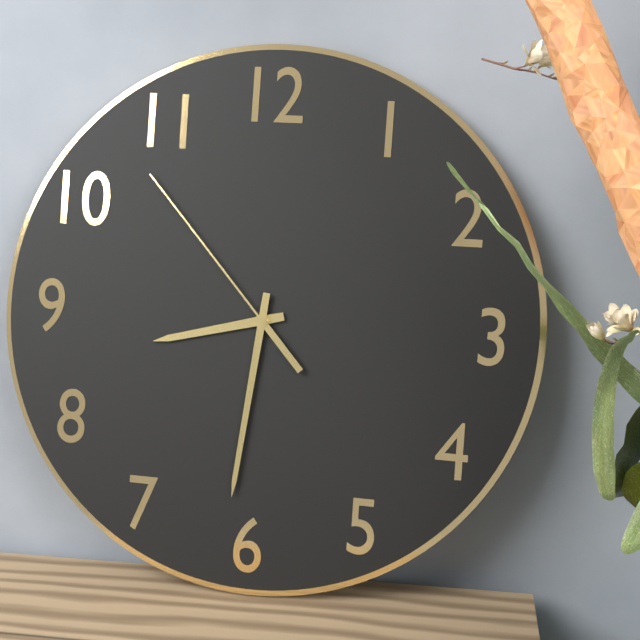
8:31:53
